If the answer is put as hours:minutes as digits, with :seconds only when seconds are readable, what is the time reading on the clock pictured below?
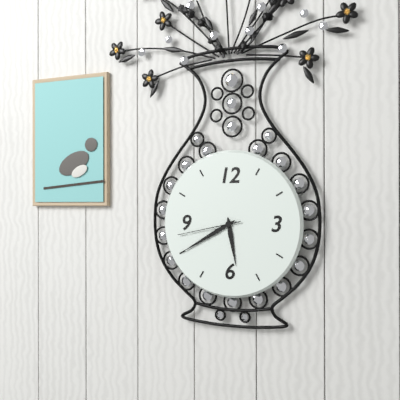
5:40:43
